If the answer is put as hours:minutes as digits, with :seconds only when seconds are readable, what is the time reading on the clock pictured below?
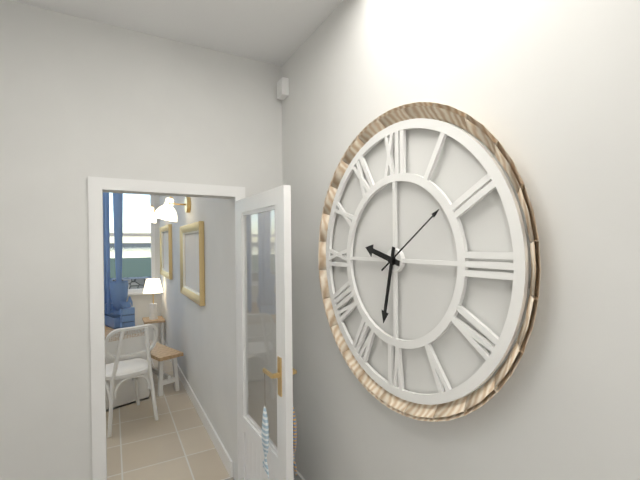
9:32:09
